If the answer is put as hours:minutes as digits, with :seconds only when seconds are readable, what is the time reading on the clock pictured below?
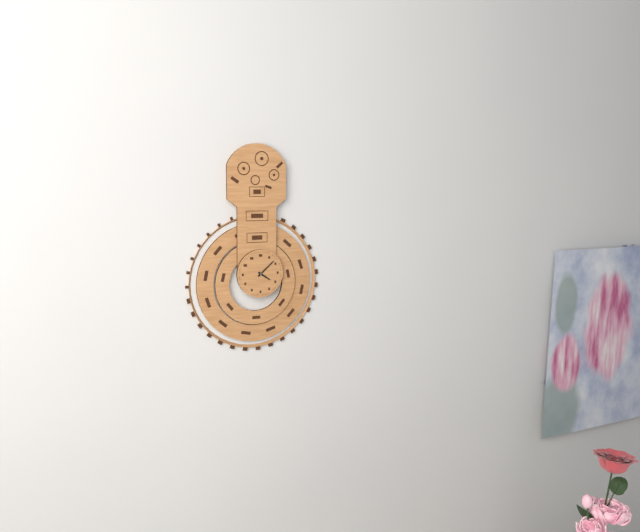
4:08
